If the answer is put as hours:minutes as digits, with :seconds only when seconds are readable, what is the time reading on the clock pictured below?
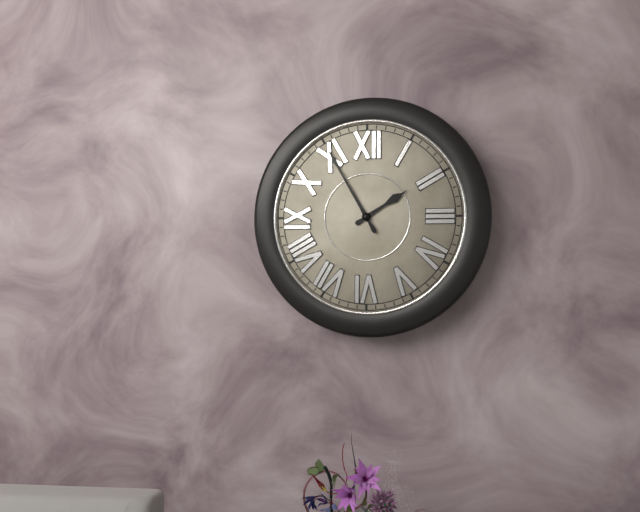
1:55
